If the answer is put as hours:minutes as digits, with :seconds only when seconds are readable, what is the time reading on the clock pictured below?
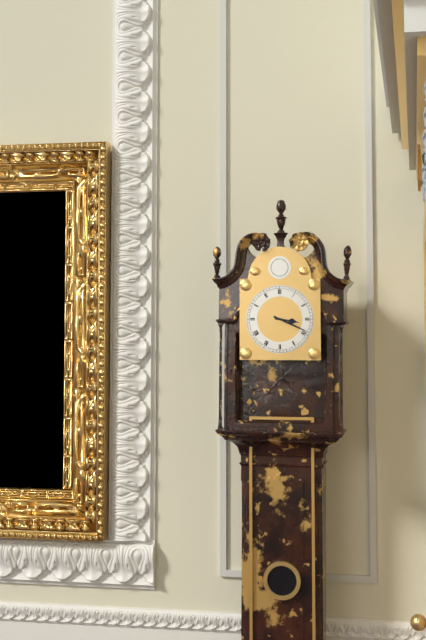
3:19
